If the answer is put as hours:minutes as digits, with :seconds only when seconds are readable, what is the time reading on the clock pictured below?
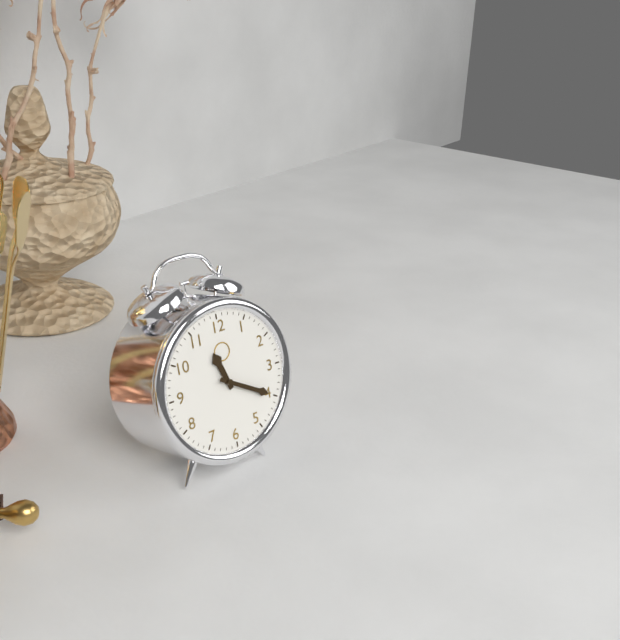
11:20
